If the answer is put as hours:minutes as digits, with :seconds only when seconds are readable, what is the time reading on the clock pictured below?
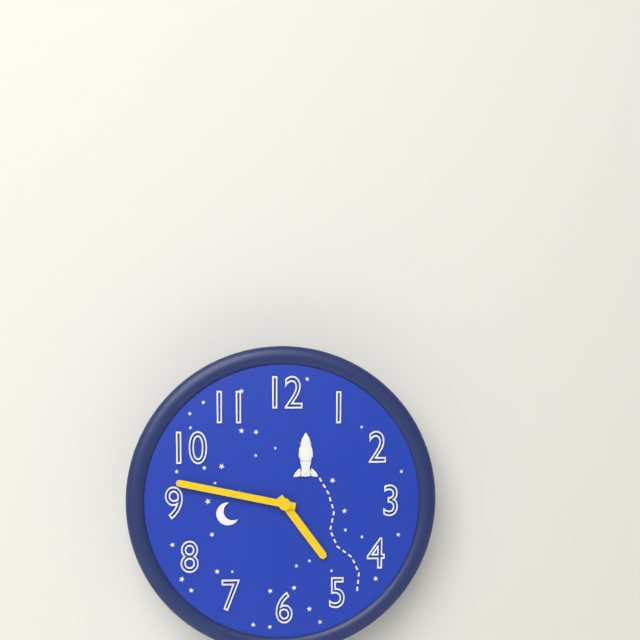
4:47
